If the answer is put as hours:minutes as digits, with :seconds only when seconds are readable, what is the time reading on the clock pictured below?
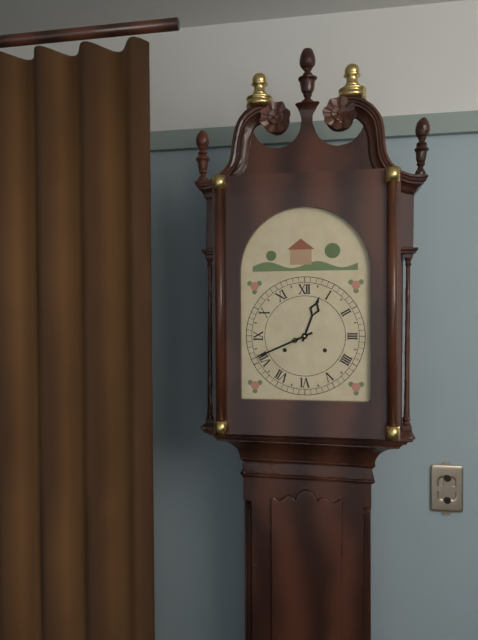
12:41
